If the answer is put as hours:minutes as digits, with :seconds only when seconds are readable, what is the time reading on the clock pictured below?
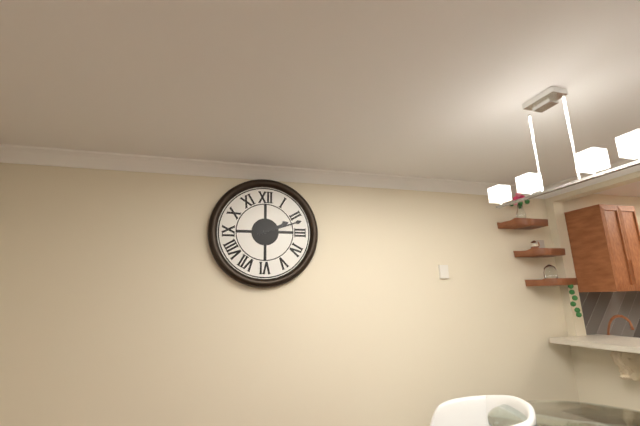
2:12
